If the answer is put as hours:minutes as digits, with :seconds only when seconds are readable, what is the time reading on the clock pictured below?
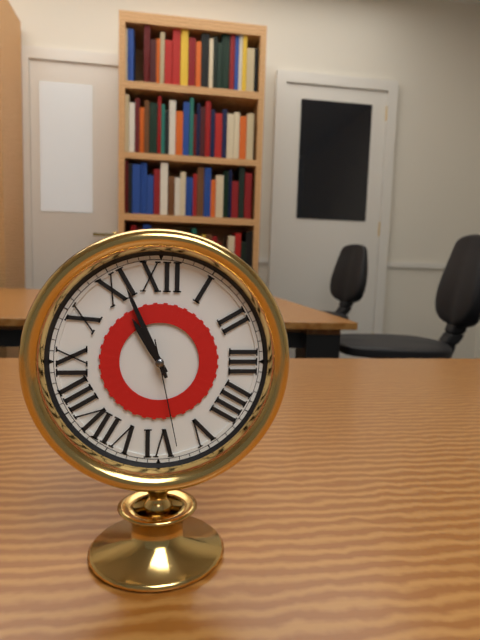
10:56:28
